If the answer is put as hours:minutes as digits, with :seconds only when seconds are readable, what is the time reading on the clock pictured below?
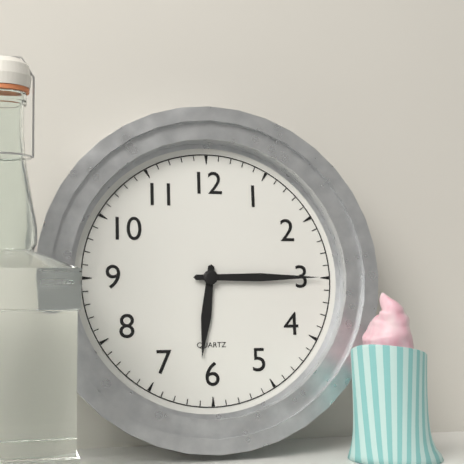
6:15
